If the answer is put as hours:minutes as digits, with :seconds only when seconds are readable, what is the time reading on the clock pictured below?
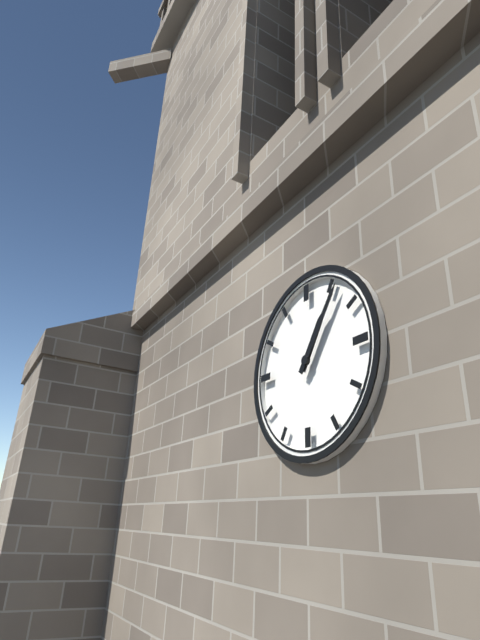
1:06
